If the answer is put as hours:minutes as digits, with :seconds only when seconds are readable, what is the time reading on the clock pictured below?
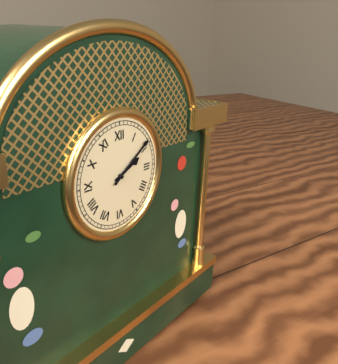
2:09
